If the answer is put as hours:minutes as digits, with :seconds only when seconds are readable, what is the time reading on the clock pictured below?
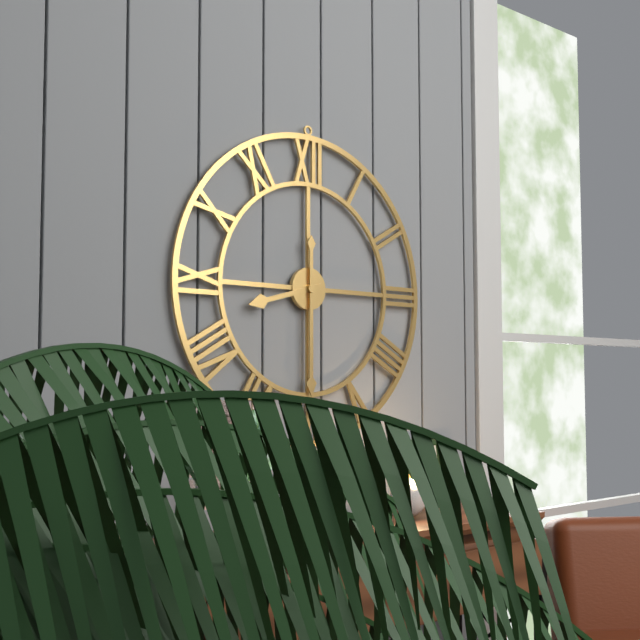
8:30
